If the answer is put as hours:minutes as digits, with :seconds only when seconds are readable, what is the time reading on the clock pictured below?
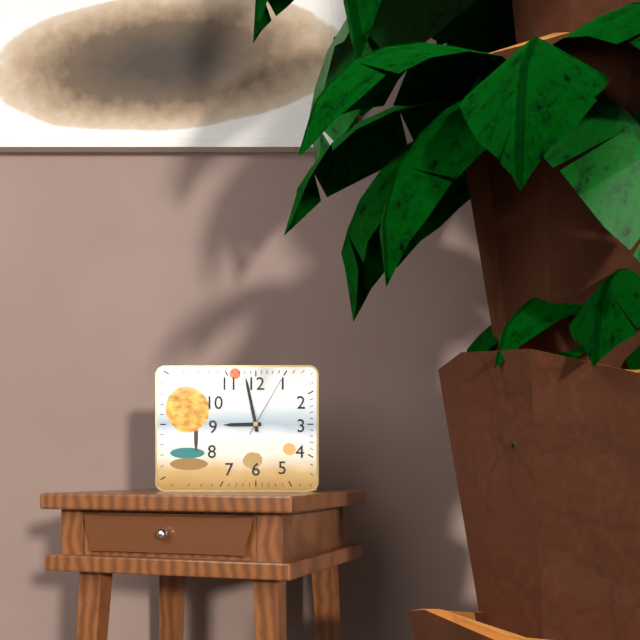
8:58:05
